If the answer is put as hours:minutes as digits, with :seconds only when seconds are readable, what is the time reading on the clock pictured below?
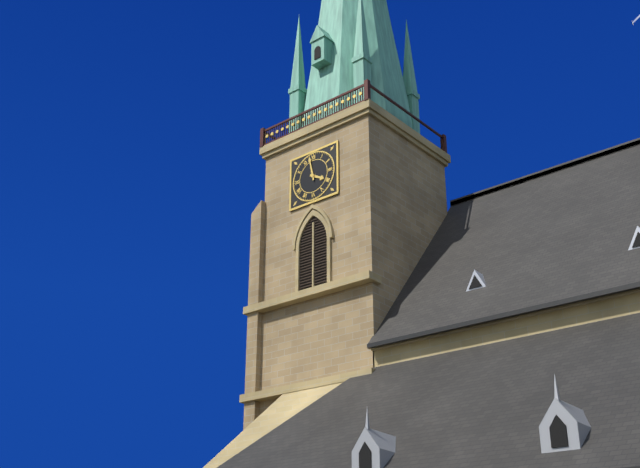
3:58
